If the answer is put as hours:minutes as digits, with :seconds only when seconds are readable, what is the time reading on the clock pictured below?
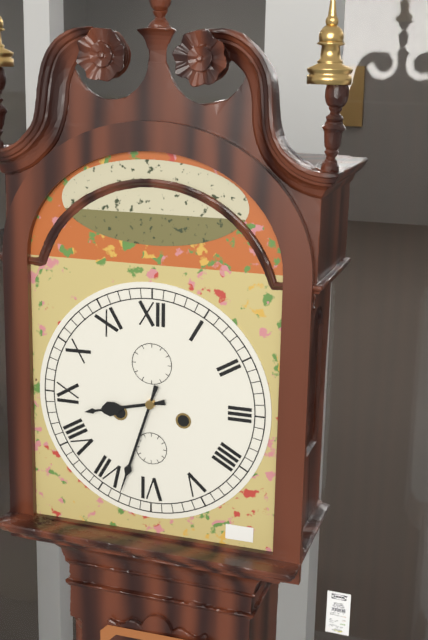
8:33
